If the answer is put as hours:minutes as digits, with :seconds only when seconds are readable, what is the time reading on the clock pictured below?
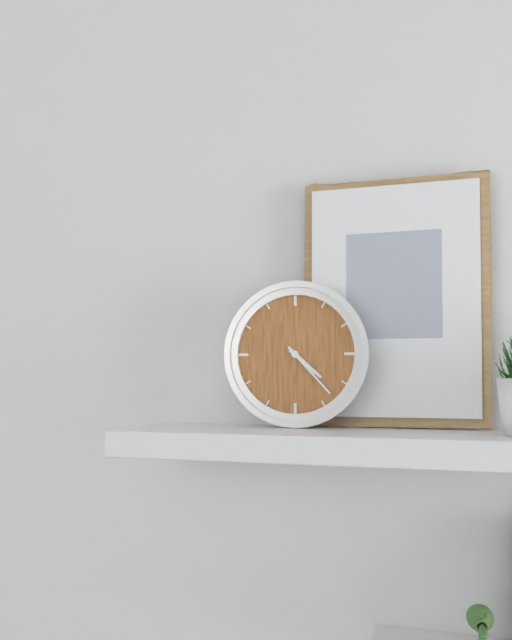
4:23
